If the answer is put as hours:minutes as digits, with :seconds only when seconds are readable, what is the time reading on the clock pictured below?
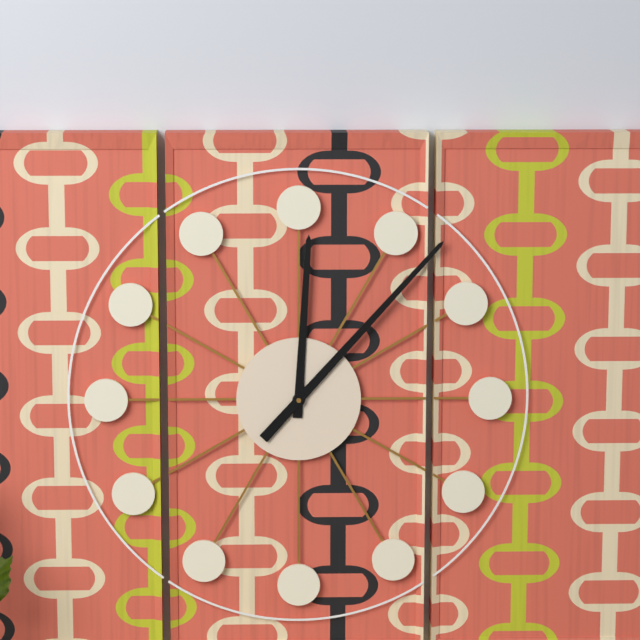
12:07
